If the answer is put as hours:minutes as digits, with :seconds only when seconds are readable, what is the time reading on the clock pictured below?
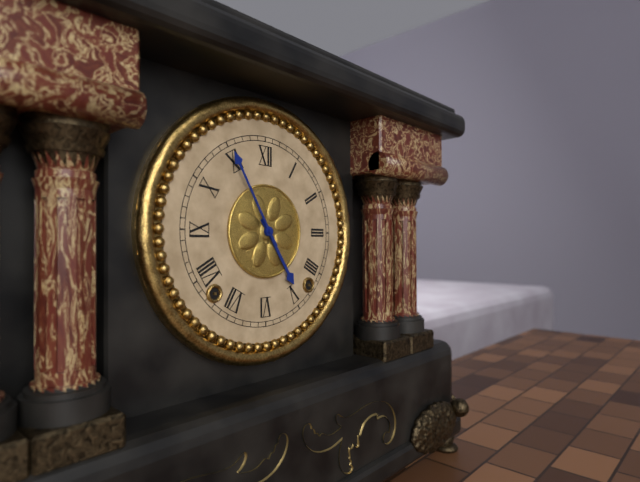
4:55
